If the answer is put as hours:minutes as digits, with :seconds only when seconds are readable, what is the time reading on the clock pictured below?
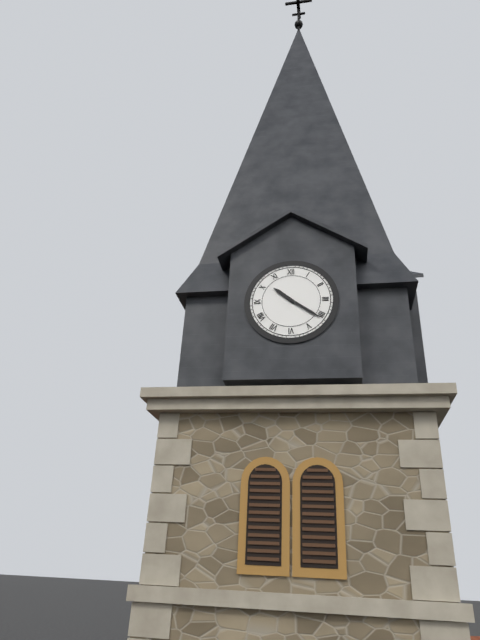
10:21
